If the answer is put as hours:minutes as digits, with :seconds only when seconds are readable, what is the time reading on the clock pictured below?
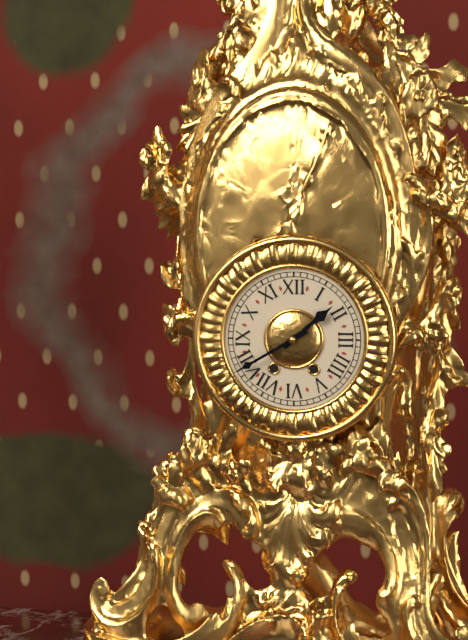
1:40
